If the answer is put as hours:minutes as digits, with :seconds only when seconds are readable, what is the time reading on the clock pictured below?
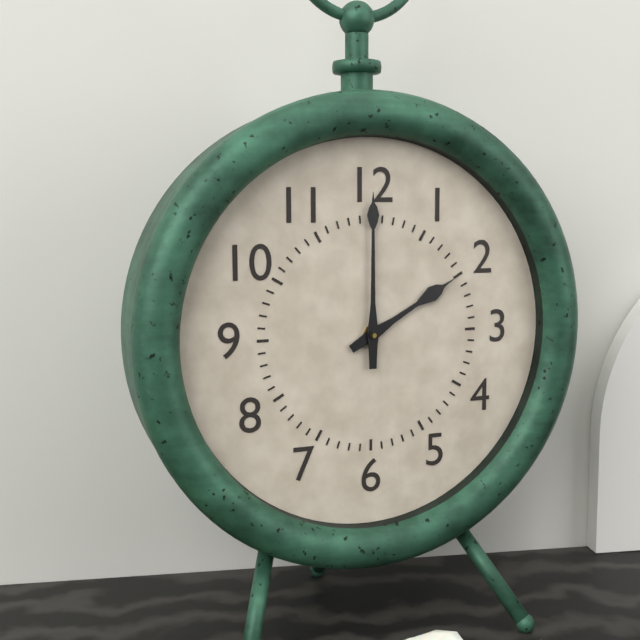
2:00
